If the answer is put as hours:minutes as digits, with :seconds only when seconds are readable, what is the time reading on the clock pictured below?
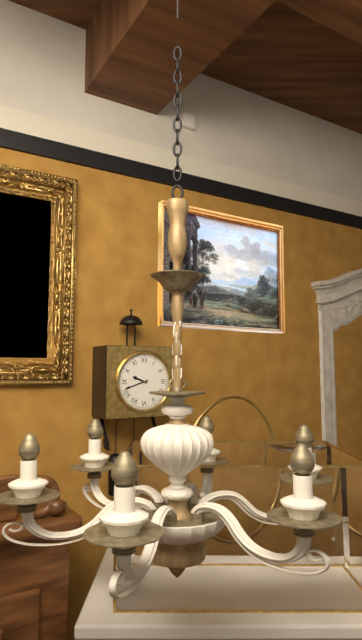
9:42
